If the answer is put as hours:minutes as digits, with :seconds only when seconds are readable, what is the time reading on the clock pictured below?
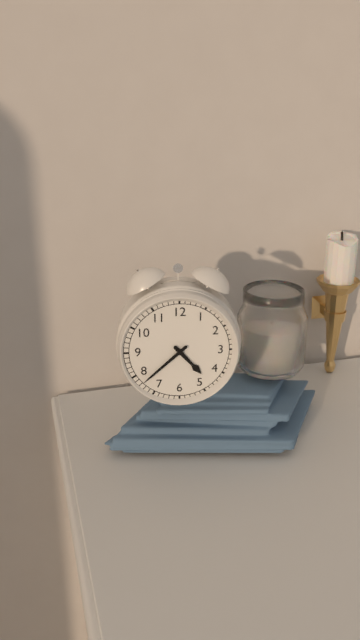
4:38
